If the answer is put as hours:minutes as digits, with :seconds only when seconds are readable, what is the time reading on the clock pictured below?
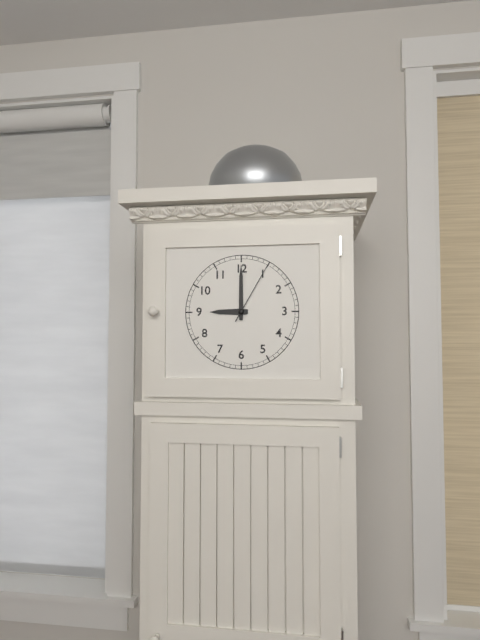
9:00:05
